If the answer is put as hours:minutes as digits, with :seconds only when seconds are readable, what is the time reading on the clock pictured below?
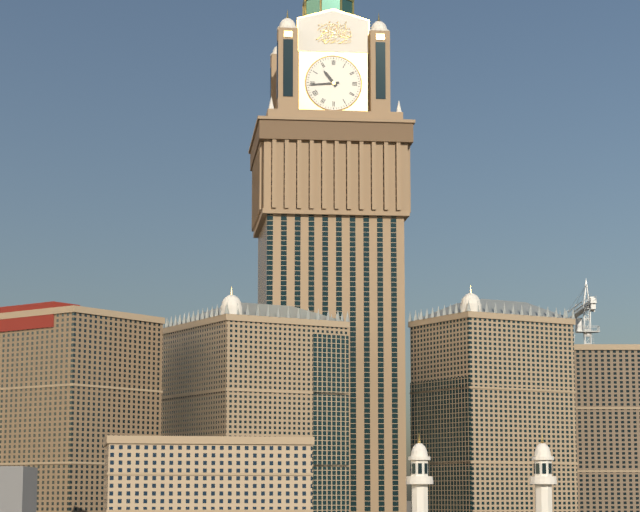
10:44
